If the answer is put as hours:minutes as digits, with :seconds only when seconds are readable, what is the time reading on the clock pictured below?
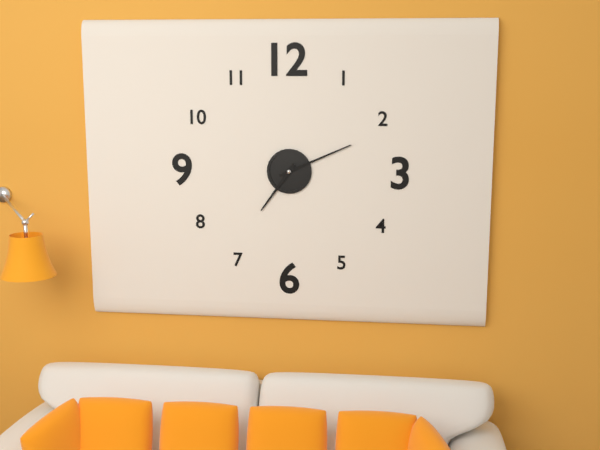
7:11
